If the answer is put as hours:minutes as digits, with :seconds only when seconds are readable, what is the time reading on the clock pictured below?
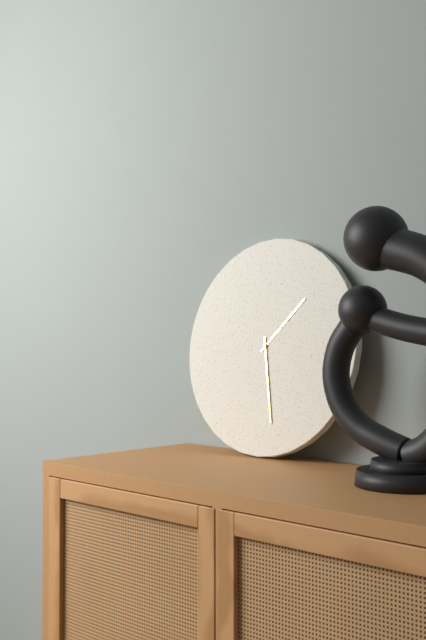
1:28
